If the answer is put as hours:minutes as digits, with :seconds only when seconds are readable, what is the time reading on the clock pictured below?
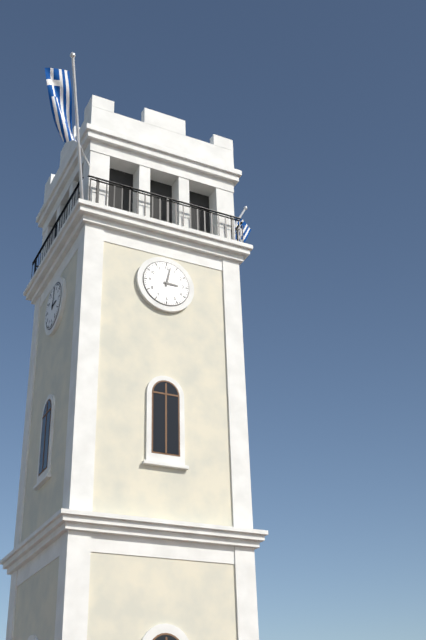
3:02
